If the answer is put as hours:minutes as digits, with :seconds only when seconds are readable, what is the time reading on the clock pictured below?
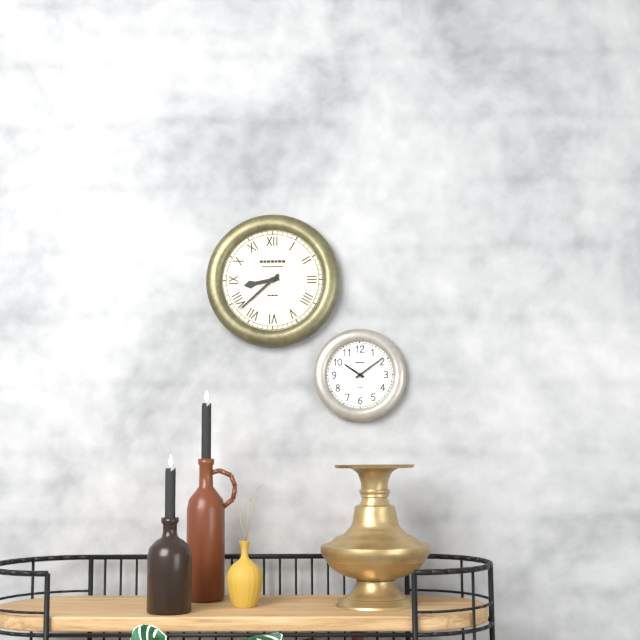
8:38
